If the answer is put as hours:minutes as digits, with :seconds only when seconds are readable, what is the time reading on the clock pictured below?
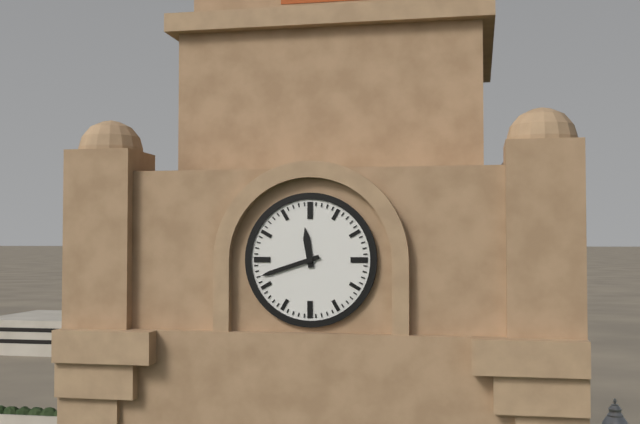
11:42
